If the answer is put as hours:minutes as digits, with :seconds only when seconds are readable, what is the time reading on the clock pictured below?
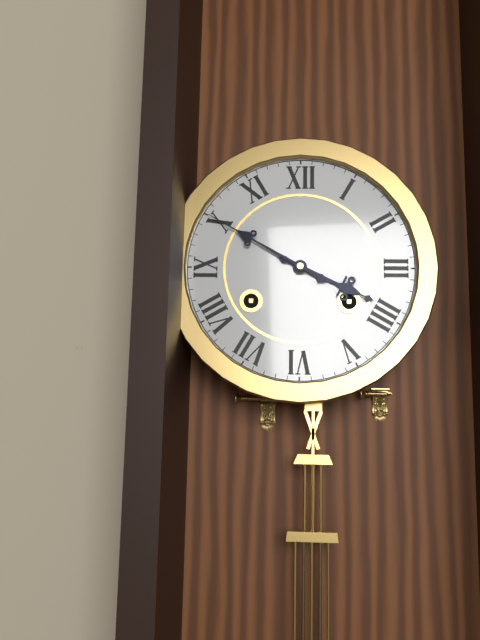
3:50
